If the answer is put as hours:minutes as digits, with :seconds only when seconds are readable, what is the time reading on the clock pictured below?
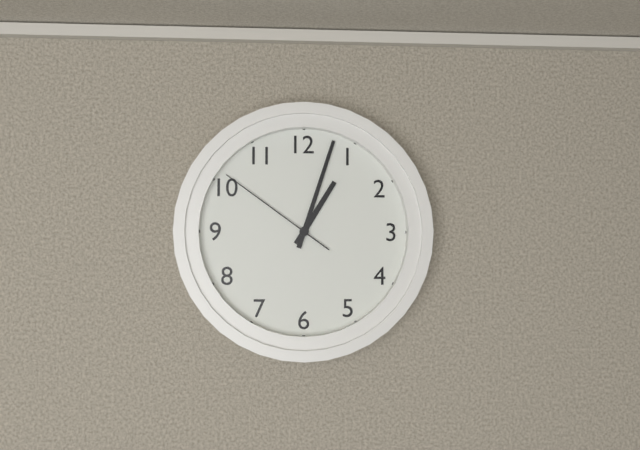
1:03:51
